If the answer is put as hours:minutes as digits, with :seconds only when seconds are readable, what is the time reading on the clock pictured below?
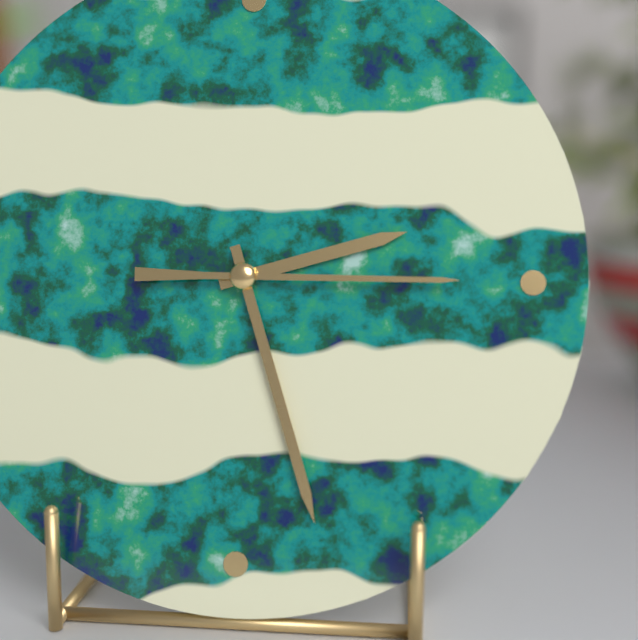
2:27:15
